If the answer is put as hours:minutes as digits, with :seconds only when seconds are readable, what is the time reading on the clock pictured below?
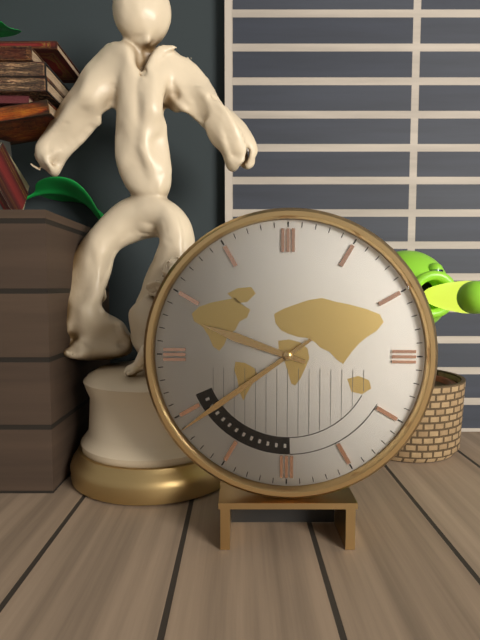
9:39
